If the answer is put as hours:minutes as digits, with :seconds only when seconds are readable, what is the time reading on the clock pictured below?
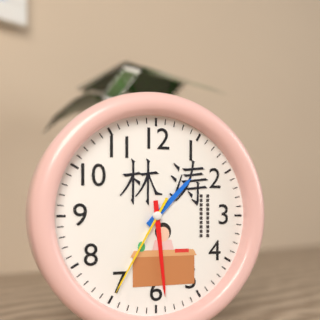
1:29:35
